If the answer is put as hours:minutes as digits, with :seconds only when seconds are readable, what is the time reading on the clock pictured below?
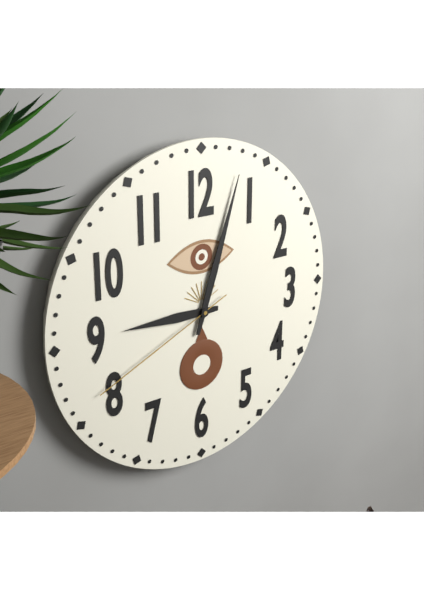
9:03:41
